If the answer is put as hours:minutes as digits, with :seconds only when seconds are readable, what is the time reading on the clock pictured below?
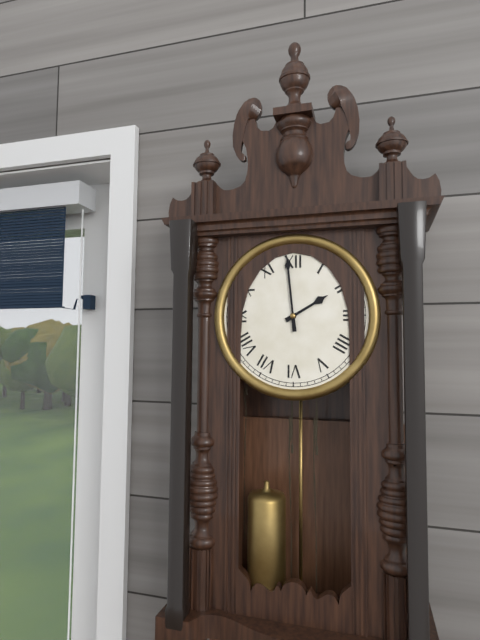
1:59
